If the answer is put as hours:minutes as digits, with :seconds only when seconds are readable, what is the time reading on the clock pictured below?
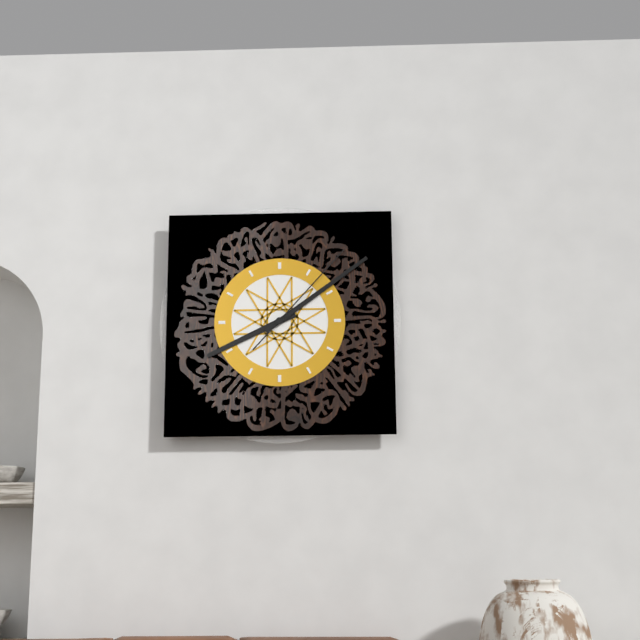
8:09:07
